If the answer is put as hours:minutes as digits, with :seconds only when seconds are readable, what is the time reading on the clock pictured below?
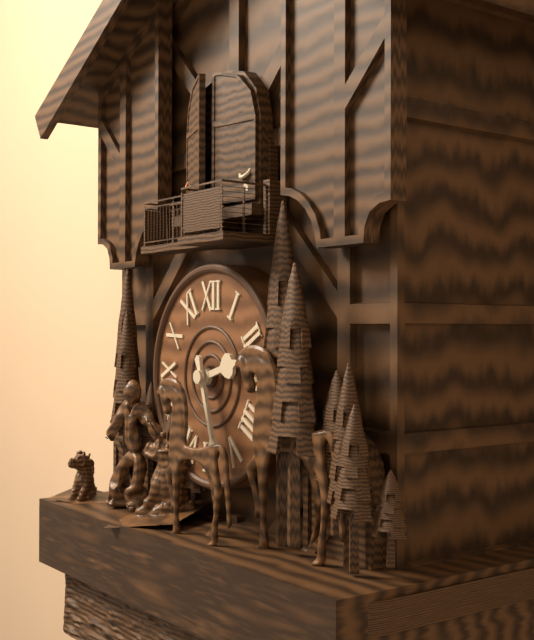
2:27
